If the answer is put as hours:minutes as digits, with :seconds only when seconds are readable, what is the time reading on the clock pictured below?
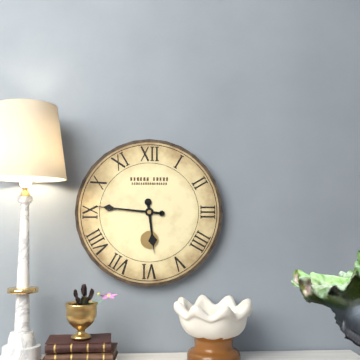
5:46
